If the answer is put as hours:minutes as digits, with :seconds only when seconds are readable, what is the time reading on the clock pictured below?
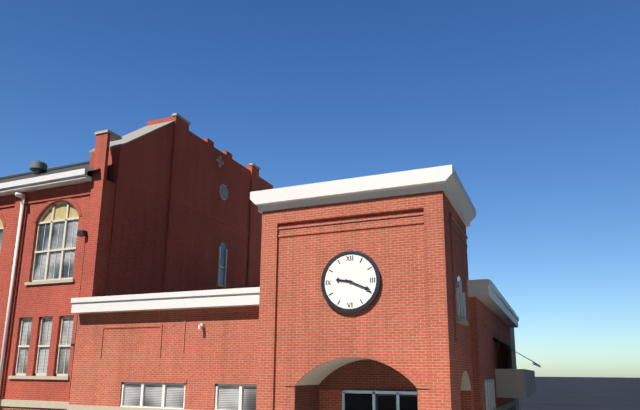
9:19
